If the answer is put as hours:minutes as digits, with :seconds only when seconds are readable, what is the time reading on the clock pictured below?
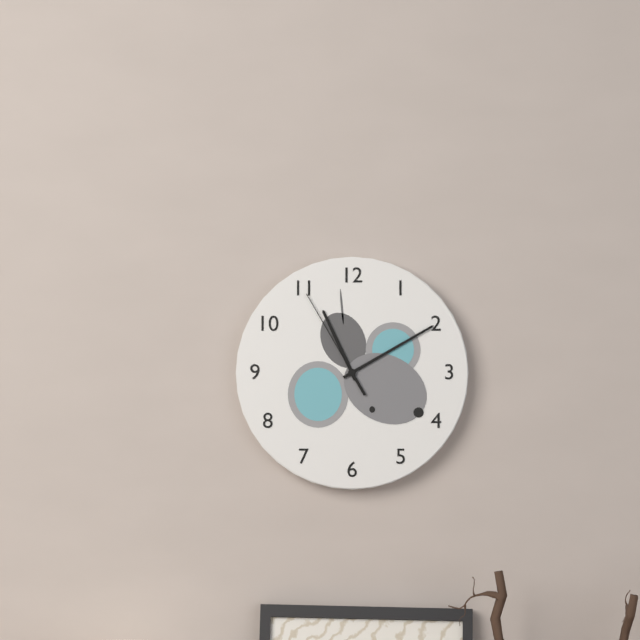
11:10:55
